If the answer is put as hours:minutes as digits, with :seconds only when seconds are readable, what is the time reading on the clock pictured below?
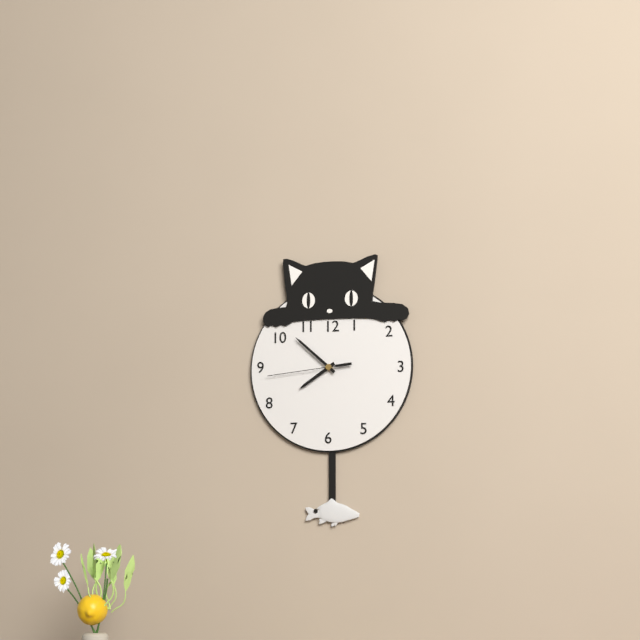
7:52:44
